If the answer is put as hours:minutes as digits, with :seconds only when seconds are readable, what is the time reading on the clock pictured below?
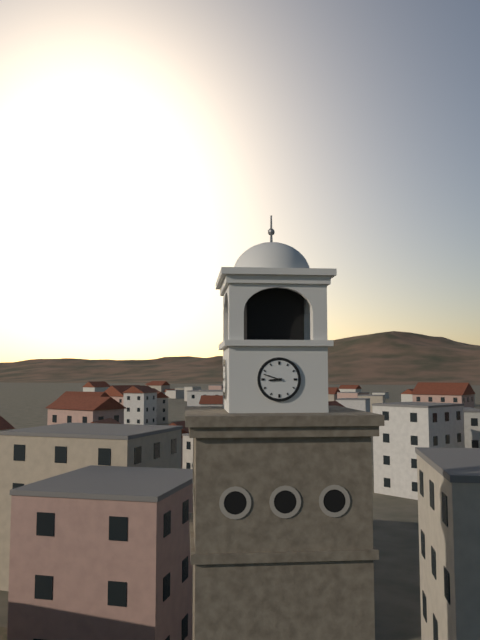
8:48
